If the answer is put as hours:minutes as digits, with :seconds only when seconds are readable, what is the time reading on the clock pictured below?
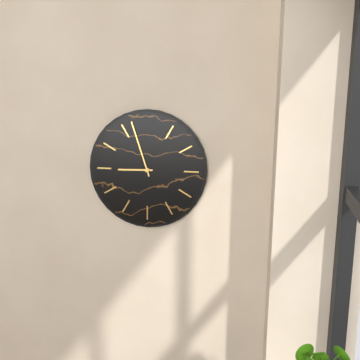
8:57
